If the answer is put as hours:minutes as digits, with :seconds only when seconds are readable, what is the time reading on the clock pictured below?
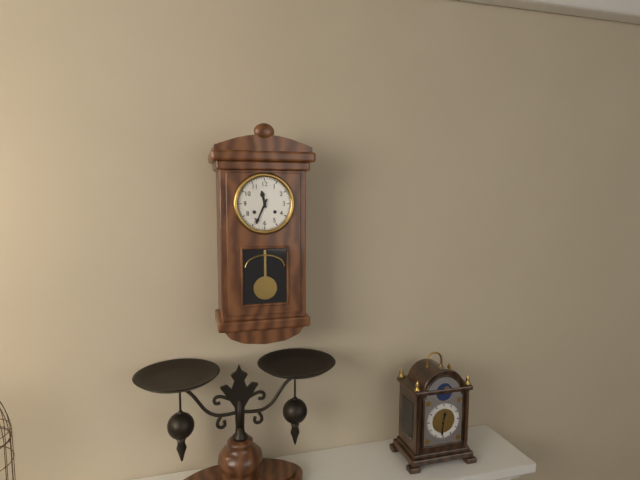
11:34
